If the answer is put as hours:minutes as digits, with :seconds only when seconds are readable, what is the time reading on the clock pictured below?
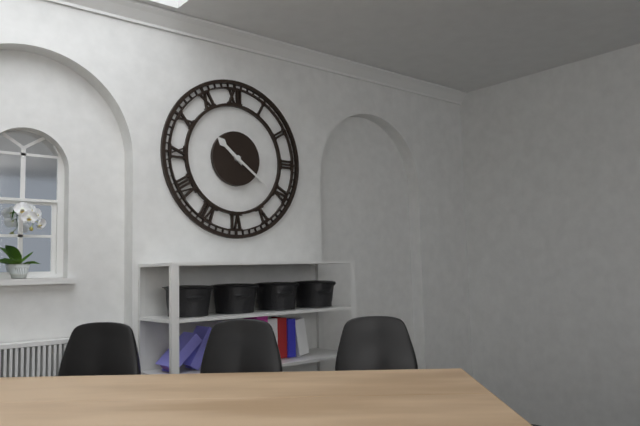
10:21
